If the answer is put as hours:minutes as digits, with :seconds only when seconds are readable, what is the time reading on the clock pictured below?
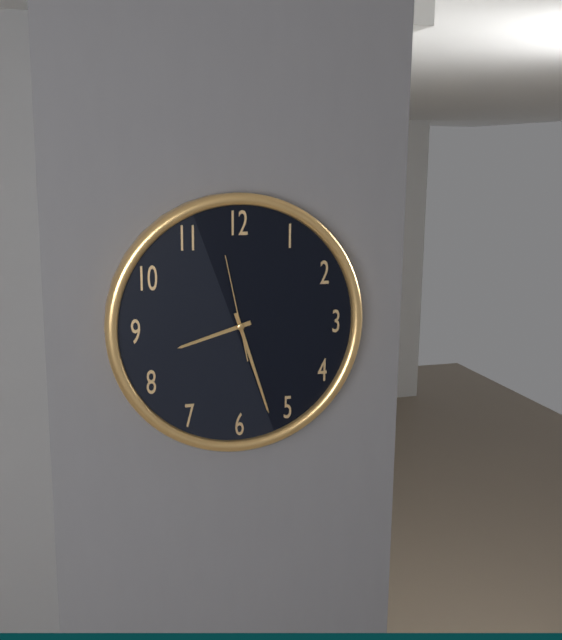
8:27:58
